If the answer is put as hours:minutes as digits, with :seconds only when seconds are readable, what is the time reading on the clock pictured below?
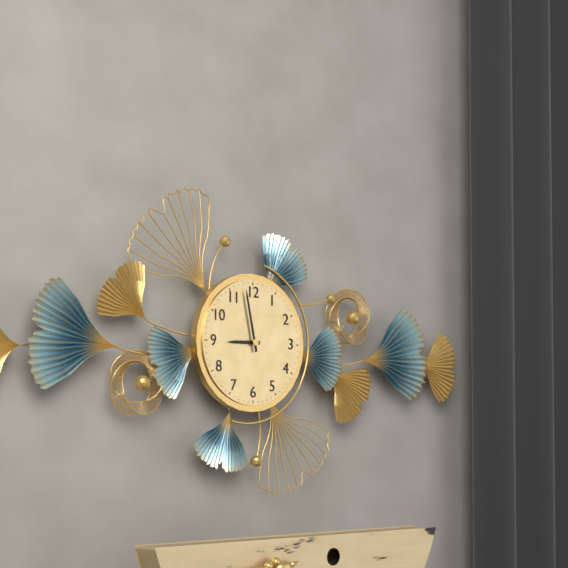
8:58
